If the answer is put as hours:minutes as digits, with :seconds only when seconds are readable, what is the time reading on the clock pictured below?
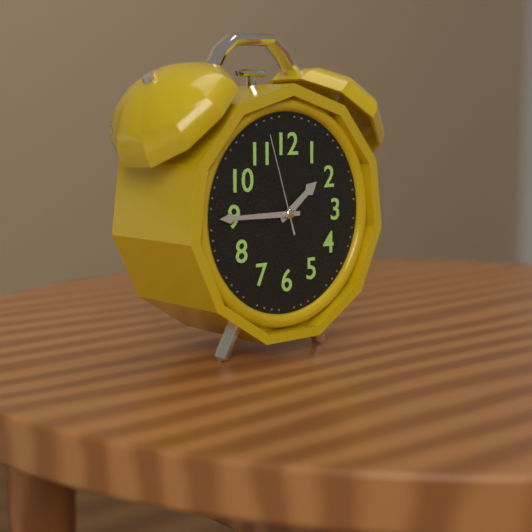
1:45:57
